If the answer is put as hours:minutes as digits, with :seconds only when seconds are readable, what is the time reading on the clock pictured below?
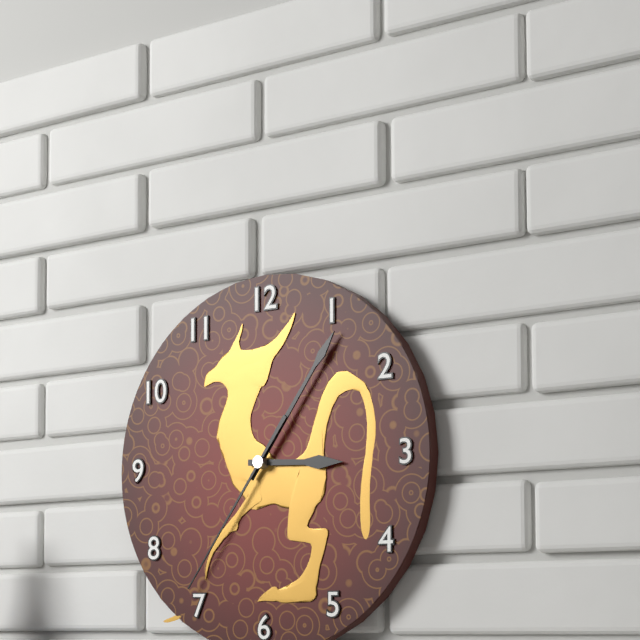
3:06:36
